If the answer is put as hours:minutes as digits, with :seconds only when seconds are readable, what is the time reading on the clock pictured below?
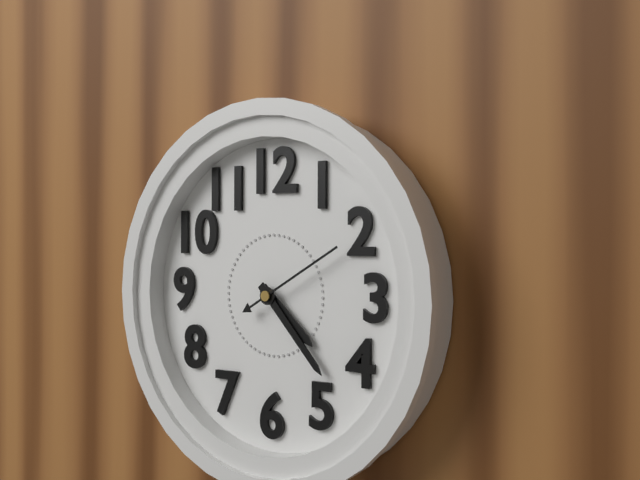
4:23:10
